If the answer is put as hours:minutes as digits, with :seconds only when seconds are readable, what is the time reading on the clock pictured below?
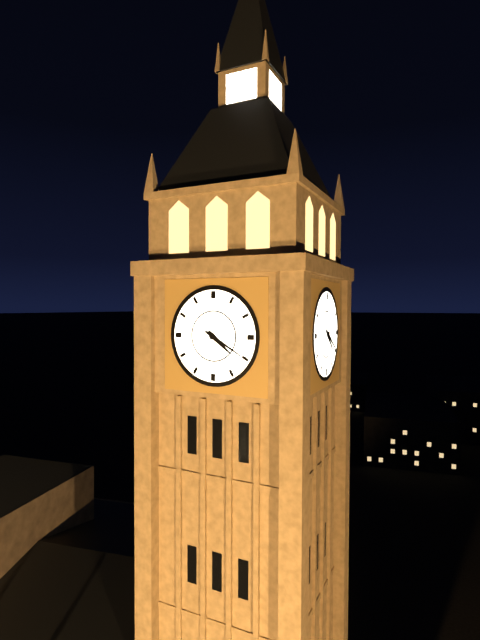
4:20
